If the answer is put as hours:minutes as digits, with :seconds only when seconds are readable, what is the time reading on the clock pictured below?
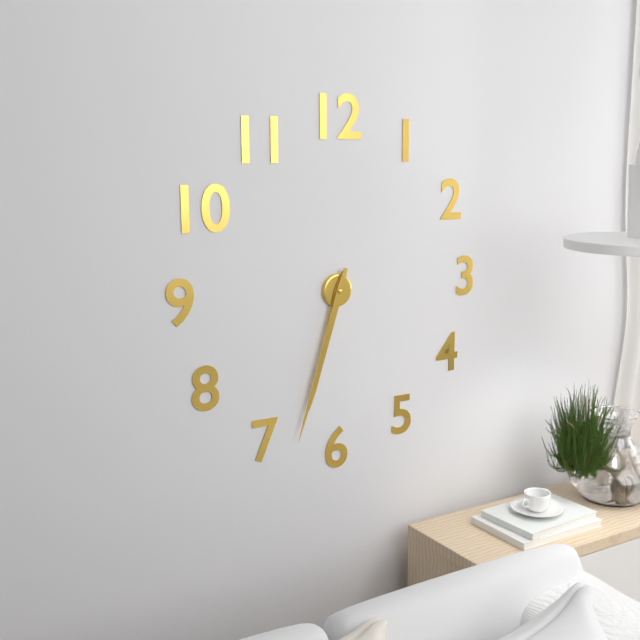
6:33
